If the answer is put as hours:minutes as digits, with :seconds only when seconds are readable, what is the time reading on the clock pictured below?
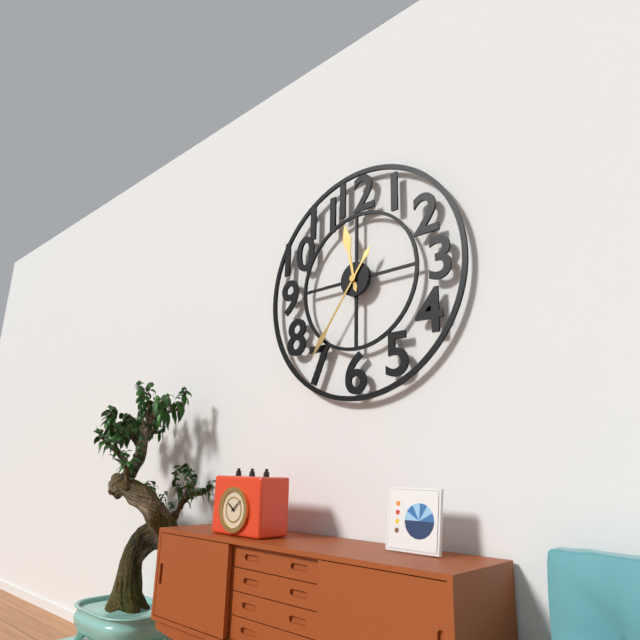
11:36
